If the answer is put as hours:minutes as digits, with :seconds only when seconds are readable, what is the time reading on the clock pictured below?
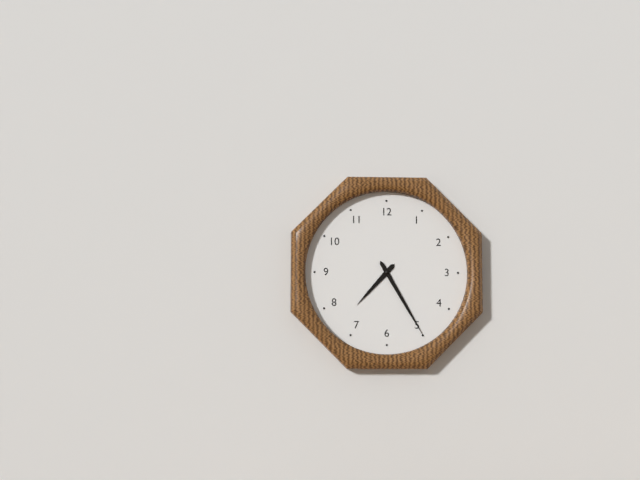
7:25
